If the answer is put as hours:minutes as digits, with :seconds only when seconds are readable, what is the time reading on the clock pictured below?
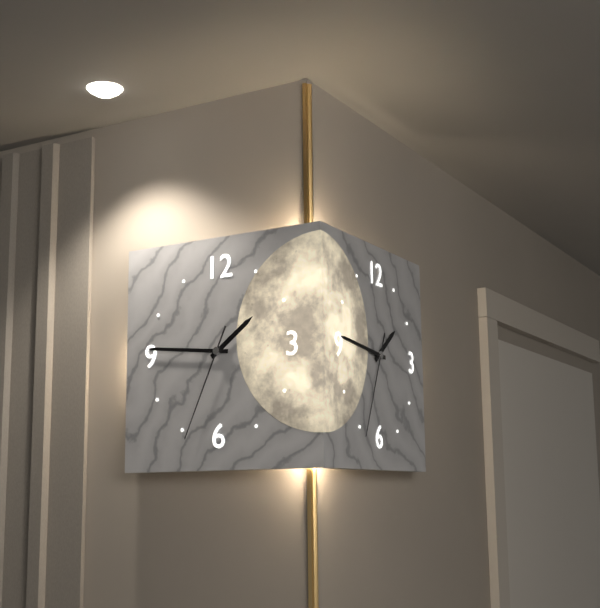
1:46:34
